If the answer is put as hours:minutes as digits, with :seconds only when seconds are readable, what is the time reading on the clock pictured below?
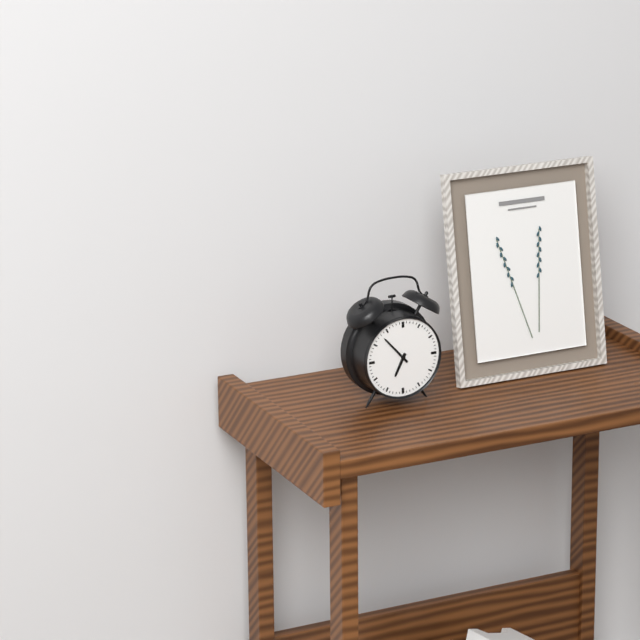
6:53
